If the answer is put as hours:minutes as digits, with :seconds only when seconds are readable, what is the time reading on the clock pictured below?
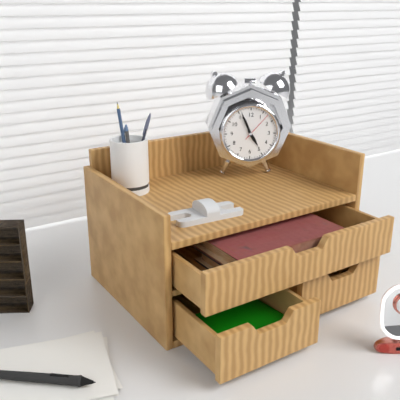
4:56
